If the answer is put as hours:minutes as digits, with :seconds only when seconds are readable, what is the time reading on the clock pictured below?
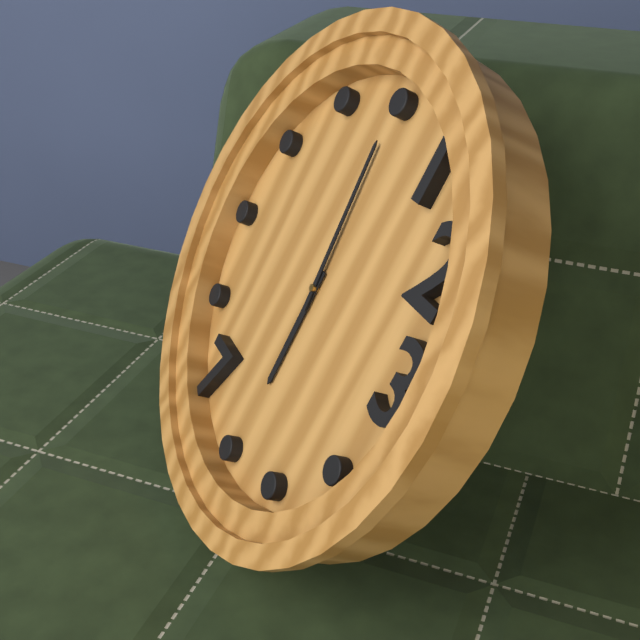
5:59
